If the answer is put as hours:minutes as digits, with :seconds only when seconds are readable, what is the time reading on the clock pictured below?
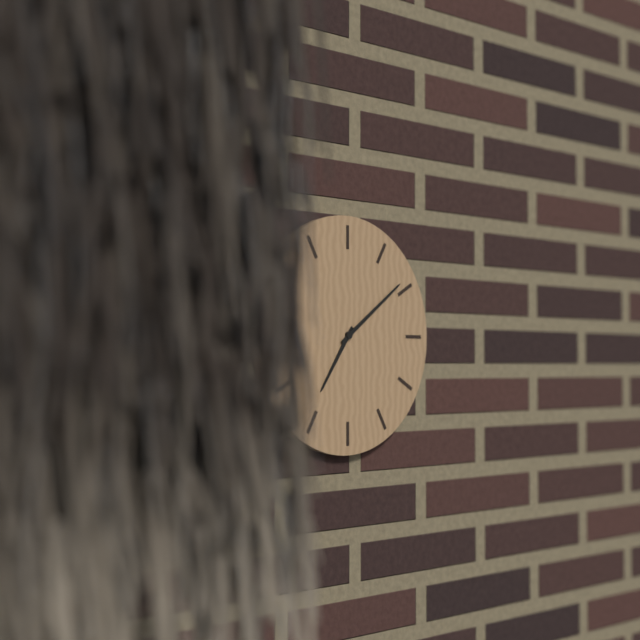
7:09
